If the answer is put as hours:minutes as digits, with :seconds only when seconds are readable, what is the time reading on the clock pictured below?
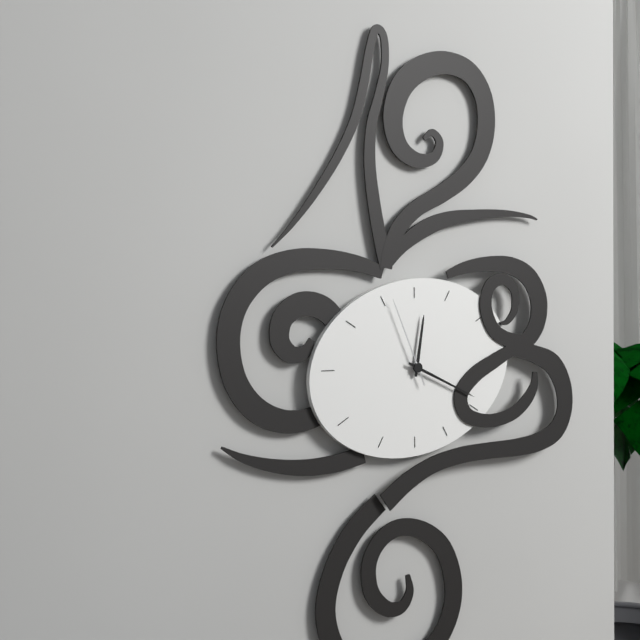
12:19:56
